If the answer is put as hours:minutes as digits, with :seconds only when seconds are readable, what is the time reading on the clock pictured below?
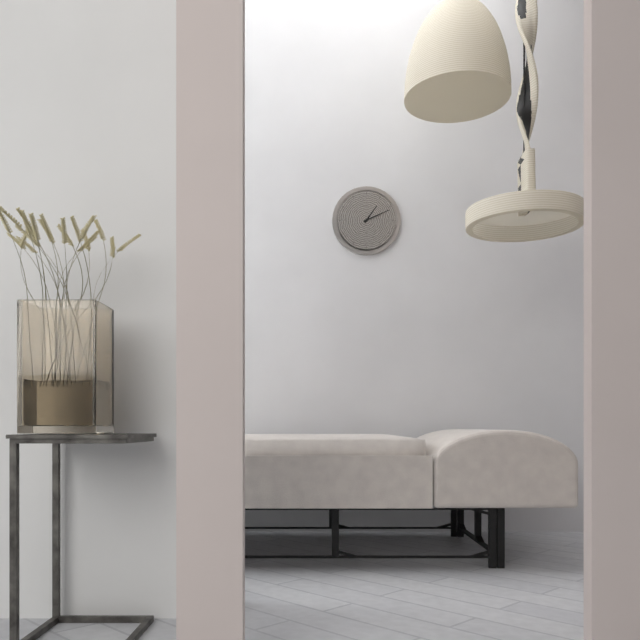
1:11
